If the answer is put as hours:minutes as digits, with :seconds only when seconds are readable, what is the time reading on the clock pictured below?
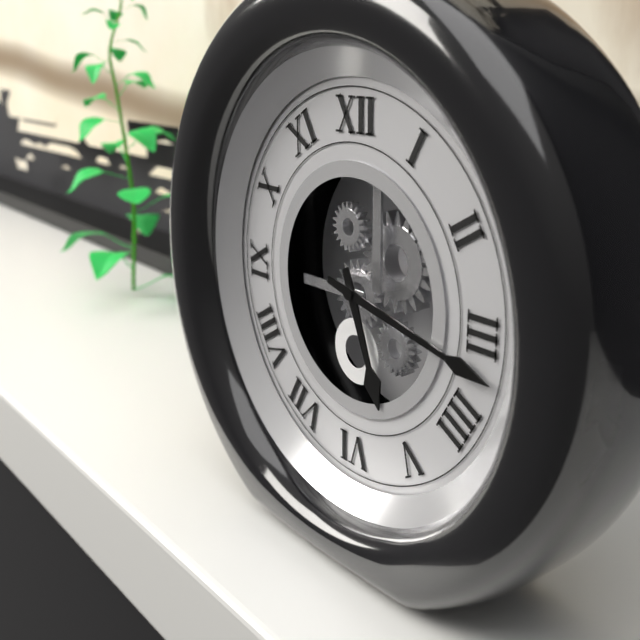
5:17
